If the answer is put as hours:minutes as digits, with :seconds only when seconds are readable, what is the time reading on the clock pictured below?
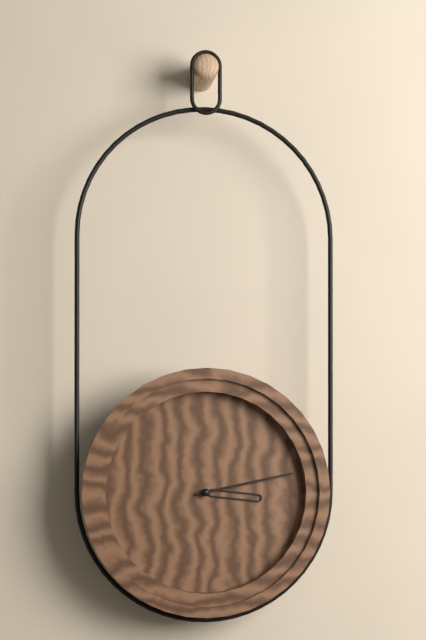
3:13
